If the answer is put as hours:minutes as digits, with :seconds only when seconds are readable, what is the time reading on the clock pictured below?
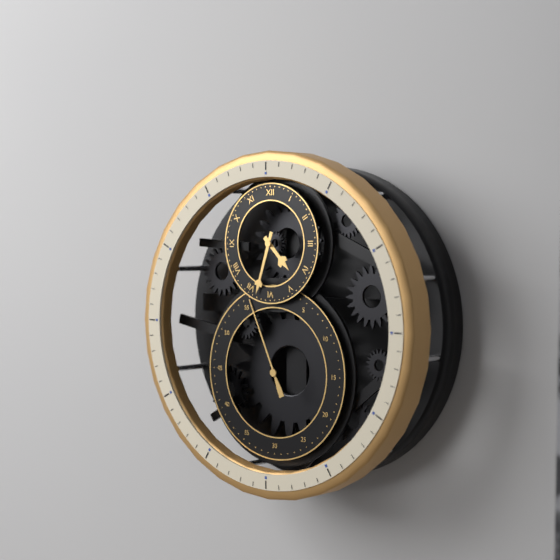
4:33:56
